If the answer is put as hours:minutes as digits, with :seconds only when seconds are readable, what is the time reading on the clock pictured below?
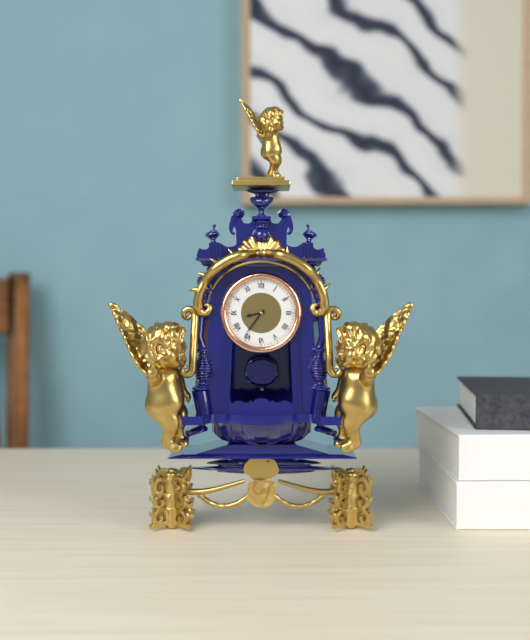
8:36
